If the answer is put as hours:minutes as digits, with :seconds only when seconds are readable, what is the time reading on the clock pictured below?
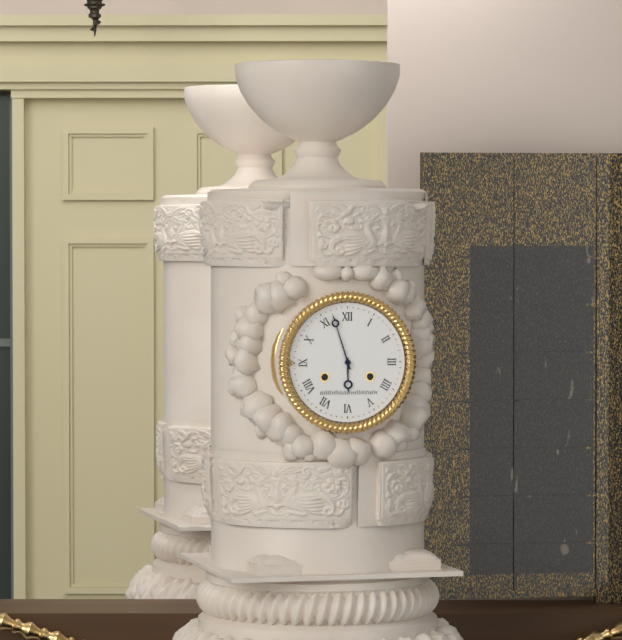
5:57
